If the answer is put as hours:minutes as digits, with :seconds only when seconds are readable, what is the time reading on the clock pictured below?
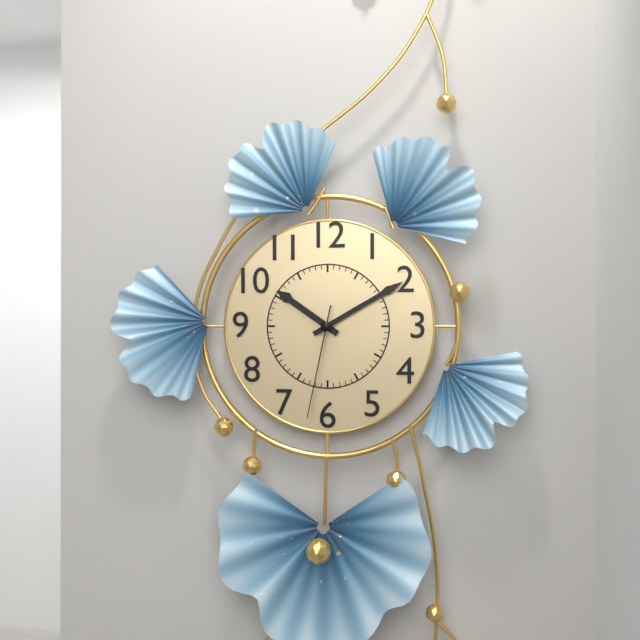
10:10:32
